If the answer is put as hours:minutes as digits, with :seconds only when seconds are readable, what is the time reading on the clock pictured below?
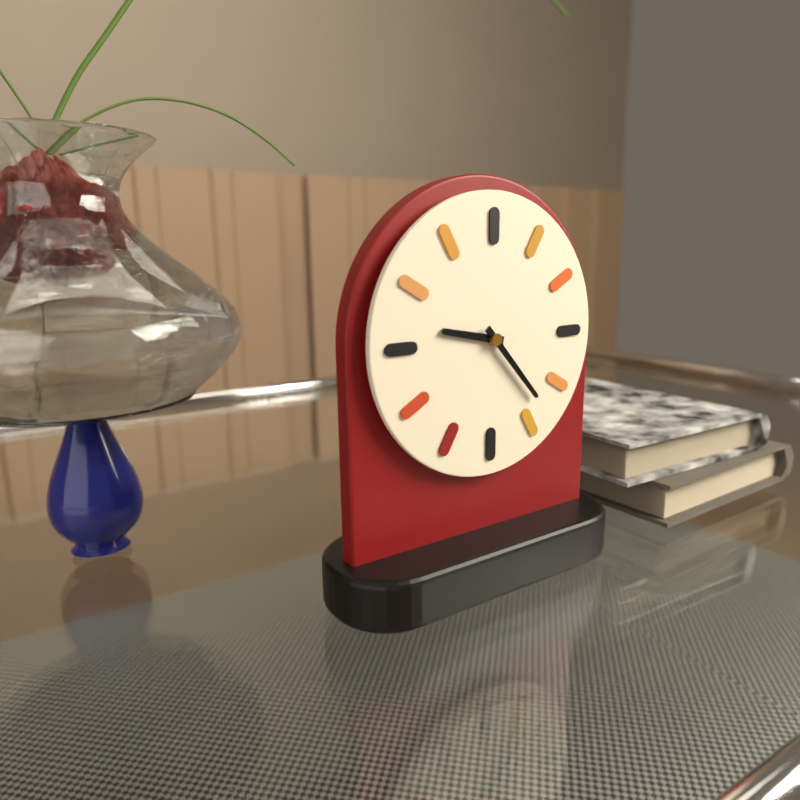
9:23
